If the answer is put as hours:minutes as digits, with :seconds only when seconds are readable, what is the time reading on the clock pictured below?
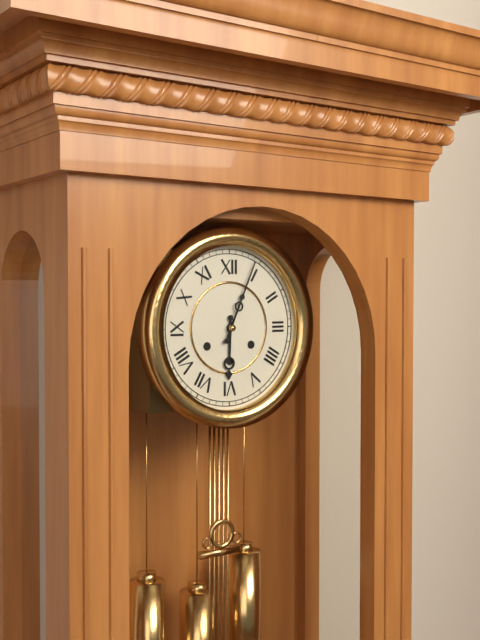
6:04
